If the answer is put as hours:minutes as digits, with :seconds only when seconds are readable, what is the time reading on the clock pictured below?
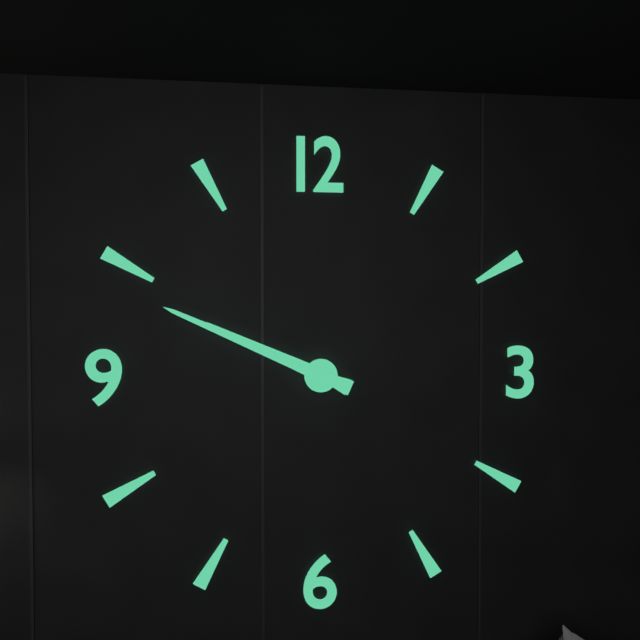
9:49
